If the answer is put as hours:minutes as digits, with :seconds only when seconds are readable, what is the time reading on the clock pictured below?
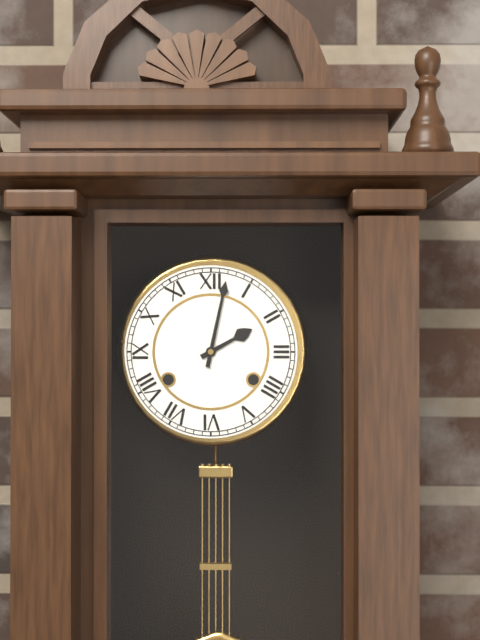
2:02
